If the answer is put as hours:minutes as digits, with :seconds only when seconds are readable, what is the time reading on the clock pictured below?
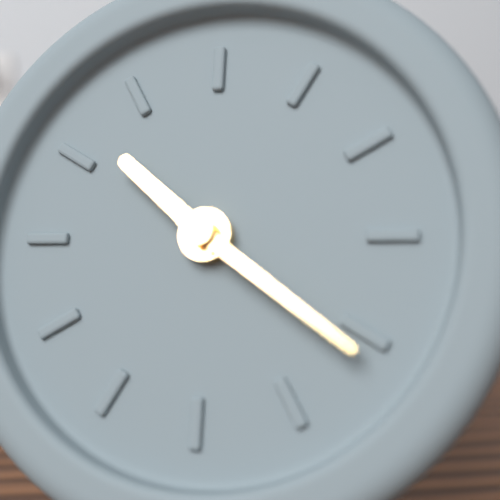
10:21
